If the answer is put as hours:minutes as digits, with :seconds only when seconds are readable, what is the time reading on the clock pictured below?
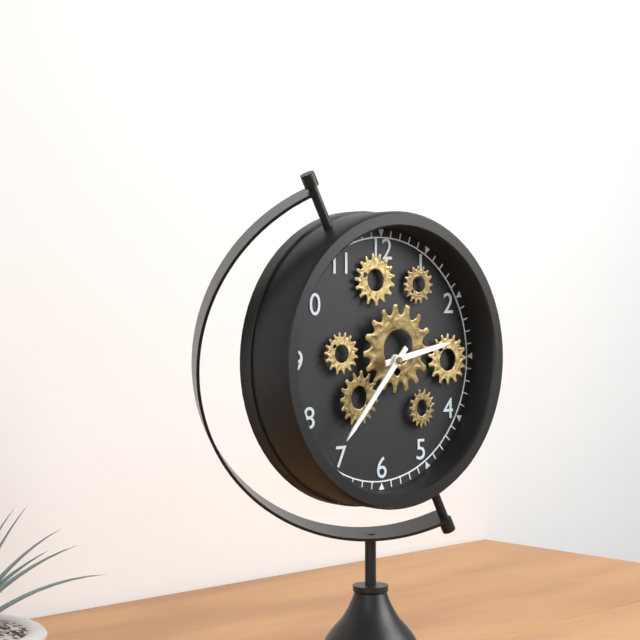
2:37
